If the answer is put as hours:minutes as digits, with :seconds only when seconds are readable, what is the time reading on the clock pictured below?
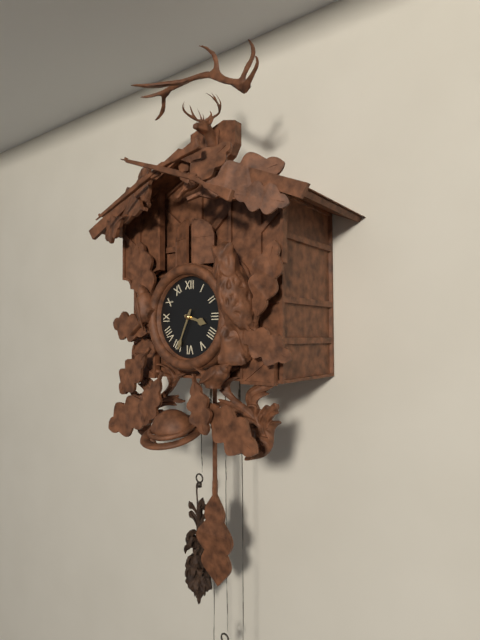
3:34
